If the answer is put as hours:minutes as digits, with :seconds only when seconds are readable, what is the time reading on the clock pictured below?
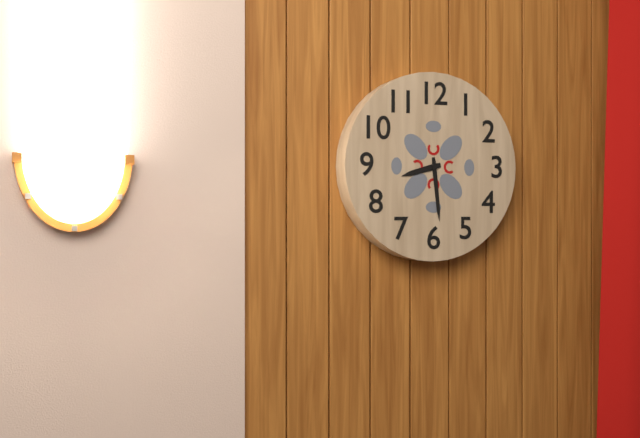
8:29
